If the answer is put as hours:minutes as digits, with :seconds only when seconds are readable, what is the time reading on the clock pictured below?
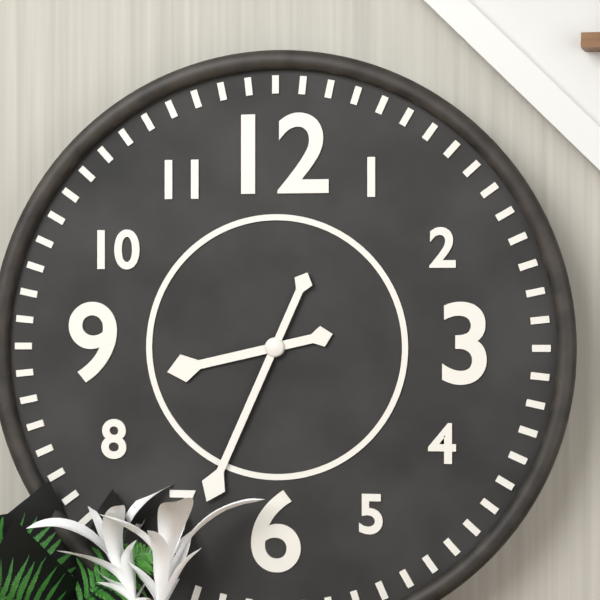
8:34
